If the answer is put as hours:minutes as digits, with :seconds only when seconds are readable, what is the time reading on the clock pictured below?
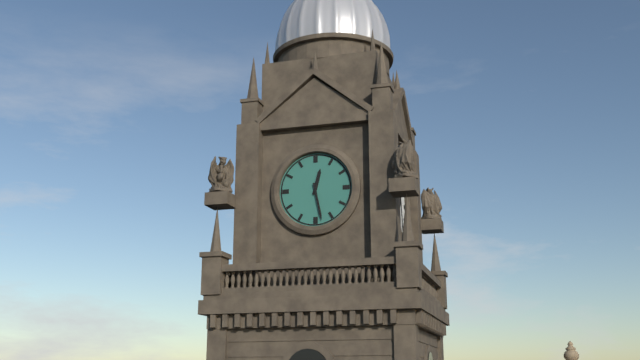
12:28
